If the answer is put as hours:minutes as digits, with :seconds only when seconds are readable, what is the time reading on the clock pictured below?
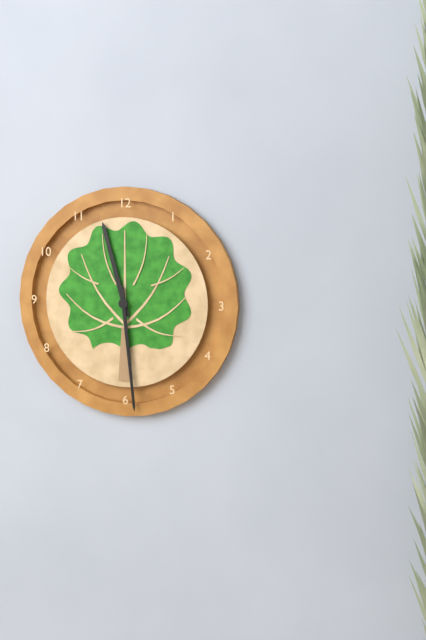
11:29
